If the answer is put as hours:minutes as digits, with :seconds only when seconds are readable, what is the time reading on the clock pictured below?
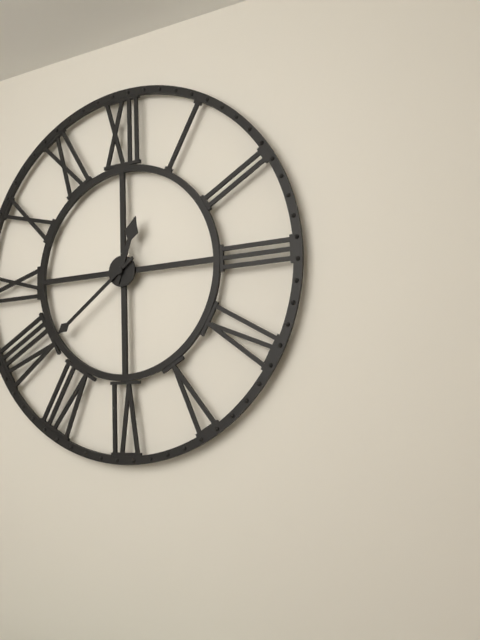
12:39
